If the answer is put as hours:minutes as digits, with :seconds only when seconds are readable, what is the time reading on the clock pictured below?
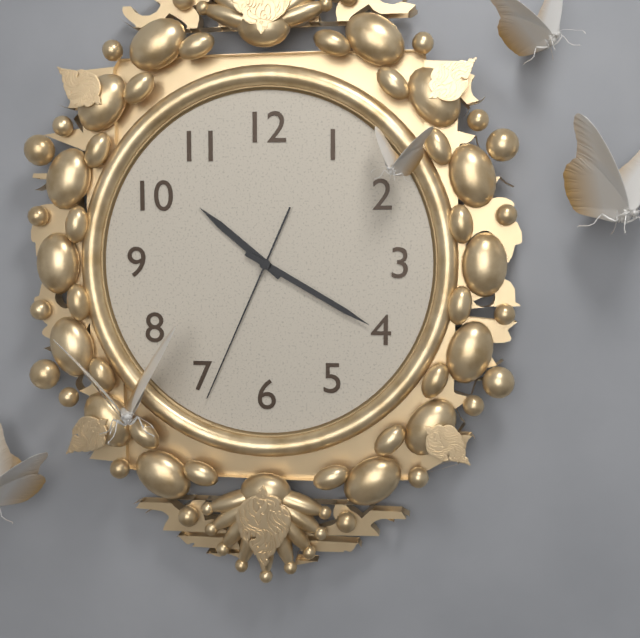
10:20:34
